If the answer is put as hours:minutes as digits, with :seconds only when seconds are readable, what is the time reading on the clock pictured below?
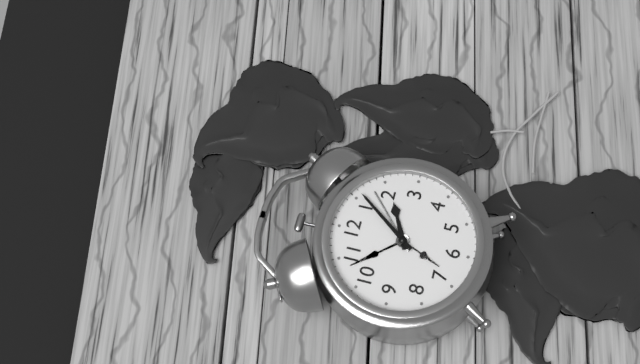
2:06
